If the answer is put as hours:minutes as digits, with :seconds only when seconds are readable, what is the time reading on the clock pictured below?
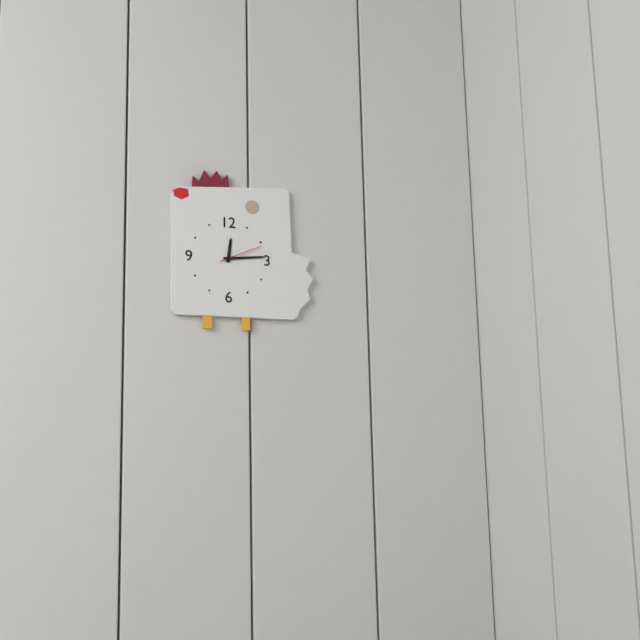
12:14
